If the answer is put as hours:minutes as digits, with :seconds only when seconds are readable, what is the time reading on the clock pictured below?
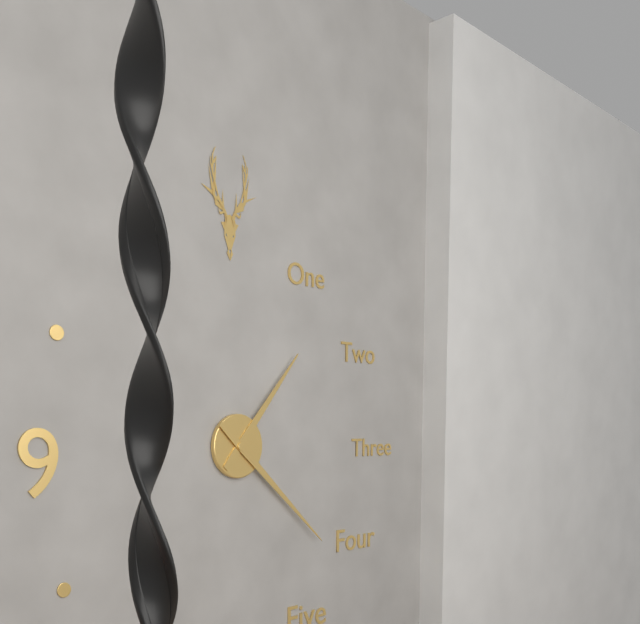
1:22
